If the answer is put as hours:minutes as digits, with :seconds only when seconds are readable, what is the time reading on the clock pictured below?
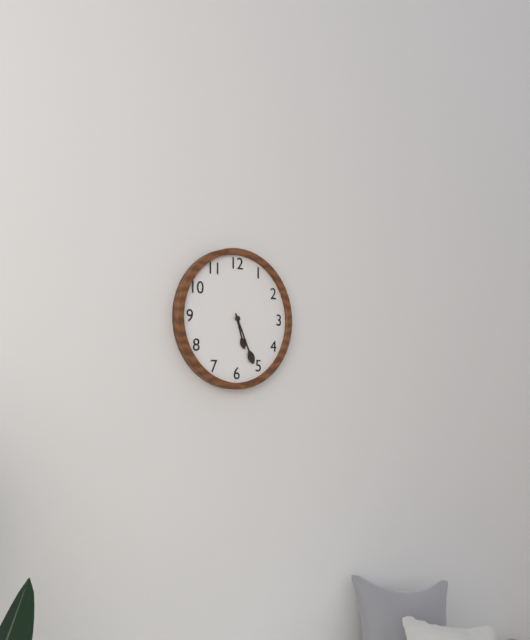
5:26
